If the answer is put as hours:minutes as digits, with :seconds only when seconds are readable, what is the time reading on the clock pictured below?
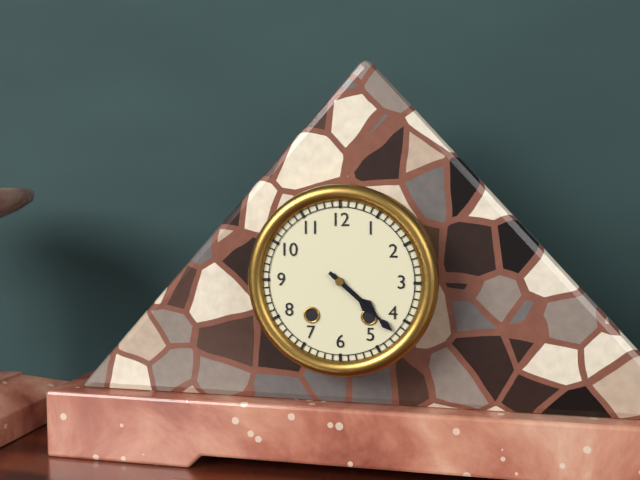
4:22
